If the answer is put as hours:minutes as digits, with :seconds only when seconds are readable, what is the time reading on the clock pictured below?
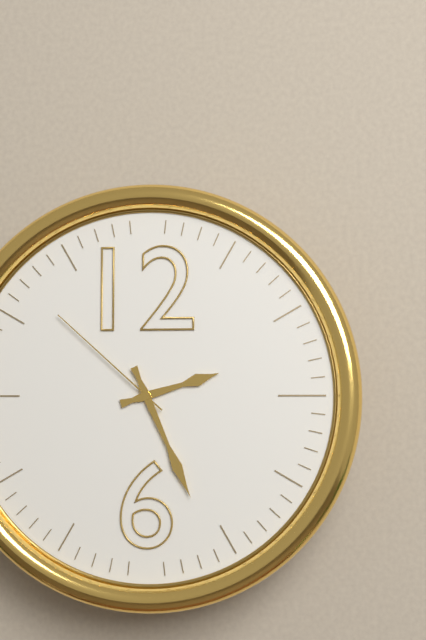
2:26:52
